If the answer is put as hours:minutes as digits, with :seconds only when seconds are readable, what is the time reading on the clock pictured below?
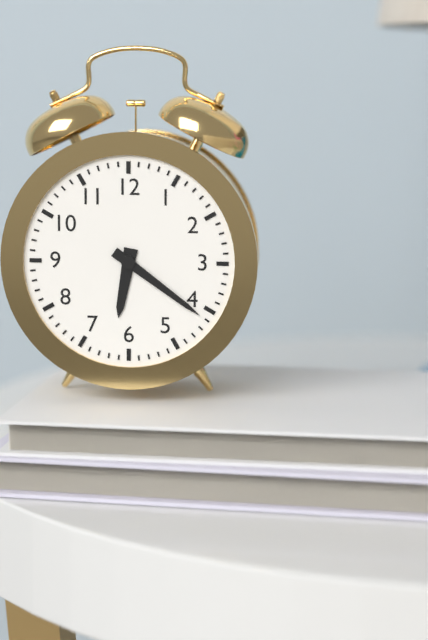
6:21
